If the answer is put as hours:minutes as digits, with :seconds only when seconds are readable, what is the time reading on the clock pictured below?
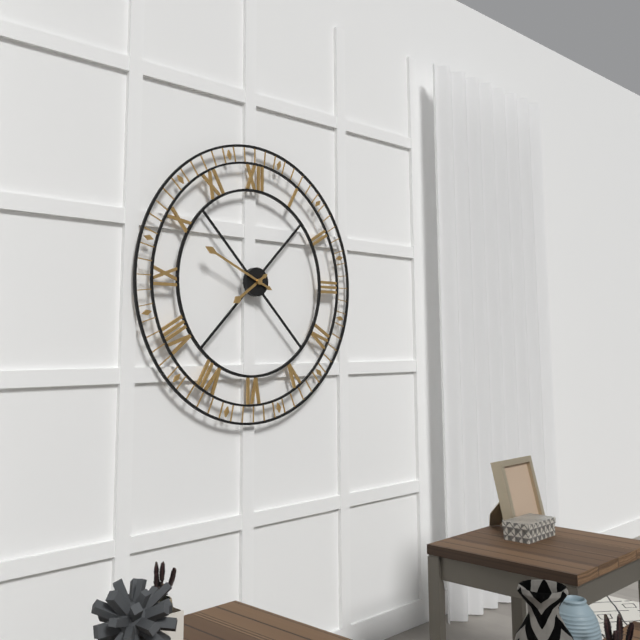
7:49
